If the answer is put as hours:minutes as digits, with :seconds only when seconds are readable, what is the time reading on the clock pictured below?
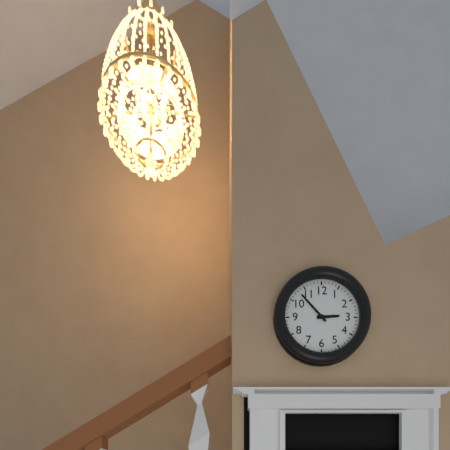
2:53
